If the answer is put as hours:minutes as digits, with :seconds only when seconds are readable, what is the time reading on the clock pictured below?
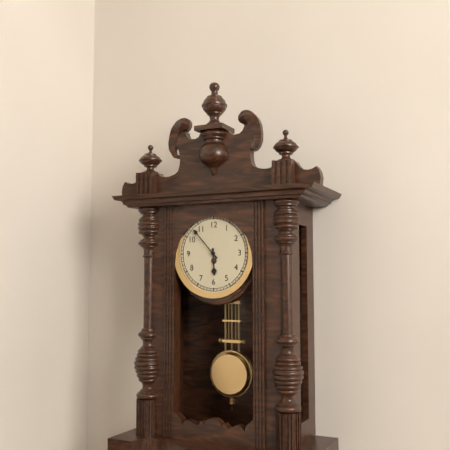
5:53
